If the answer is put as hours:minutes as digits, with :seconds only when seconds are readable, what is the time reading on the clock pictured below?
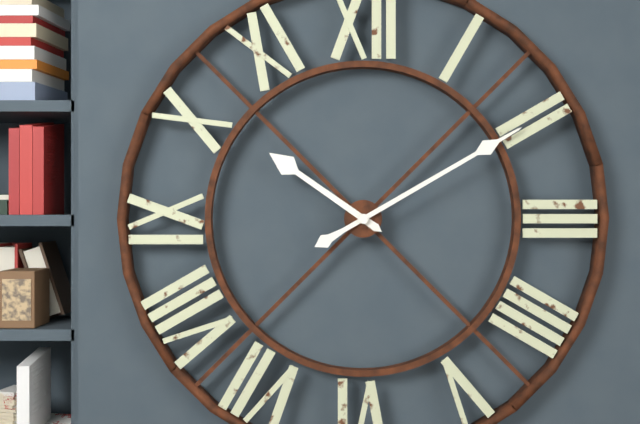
10:10
